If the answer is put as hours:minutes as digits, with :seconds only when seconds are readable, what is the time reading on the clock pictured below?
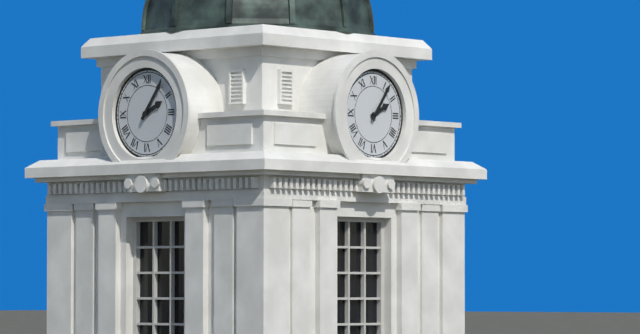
2:06
